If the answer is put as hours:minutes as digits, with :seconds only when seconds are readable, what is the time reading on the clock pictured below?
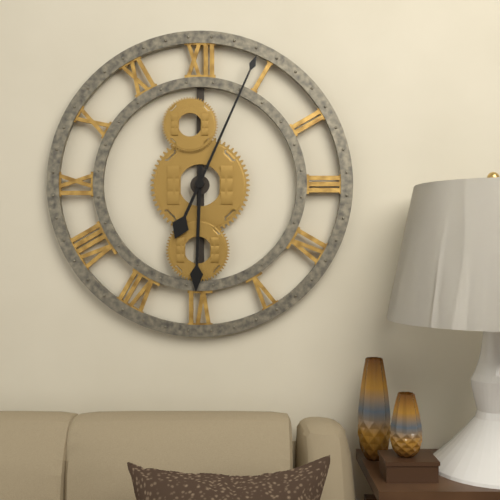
6:04
